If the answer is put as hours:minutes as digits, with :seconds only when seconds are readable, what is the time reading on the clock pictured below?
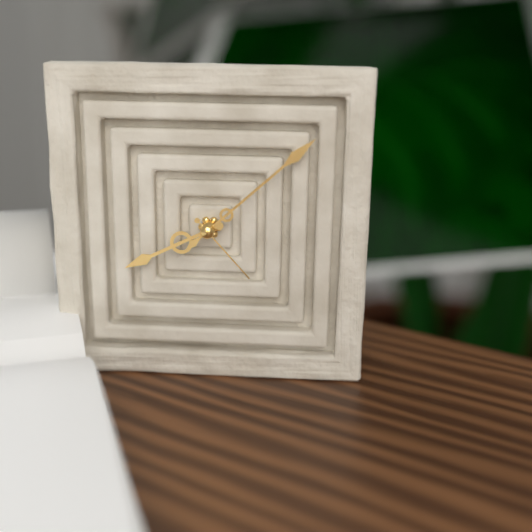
8:08:23
